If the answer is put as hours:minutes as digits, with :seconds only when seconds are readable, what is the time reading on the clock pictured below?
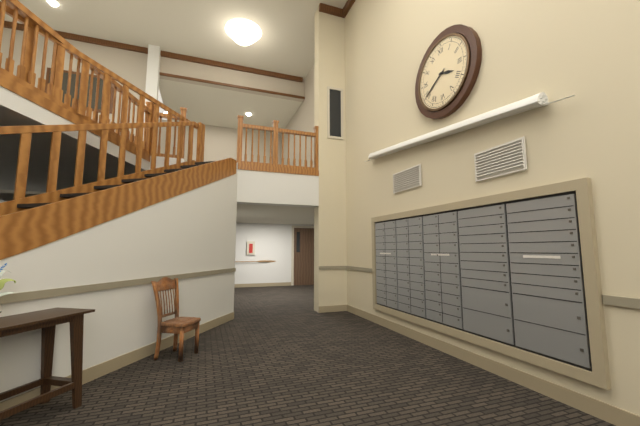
3:40
